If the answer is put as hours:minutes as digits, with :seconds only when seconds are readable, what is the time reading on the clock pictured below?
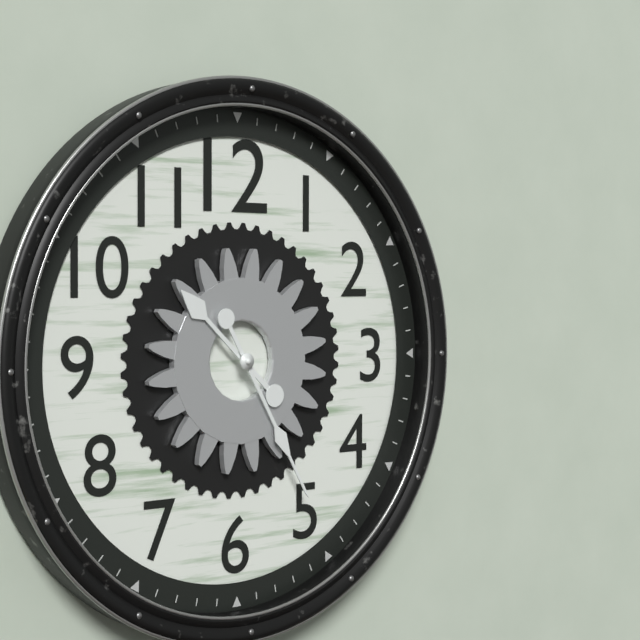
10:25
